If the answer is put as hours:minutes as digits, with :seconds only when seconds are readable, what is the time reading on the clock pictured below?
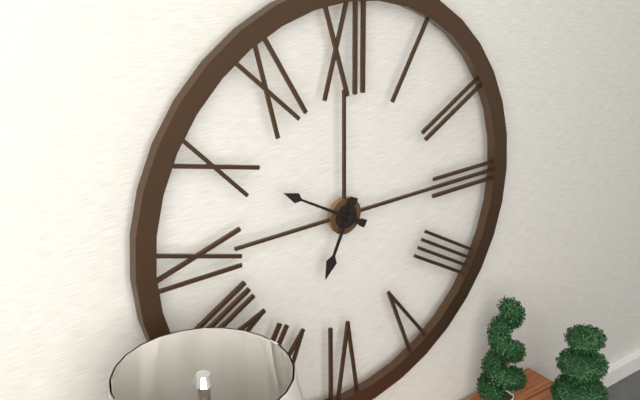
6:50
